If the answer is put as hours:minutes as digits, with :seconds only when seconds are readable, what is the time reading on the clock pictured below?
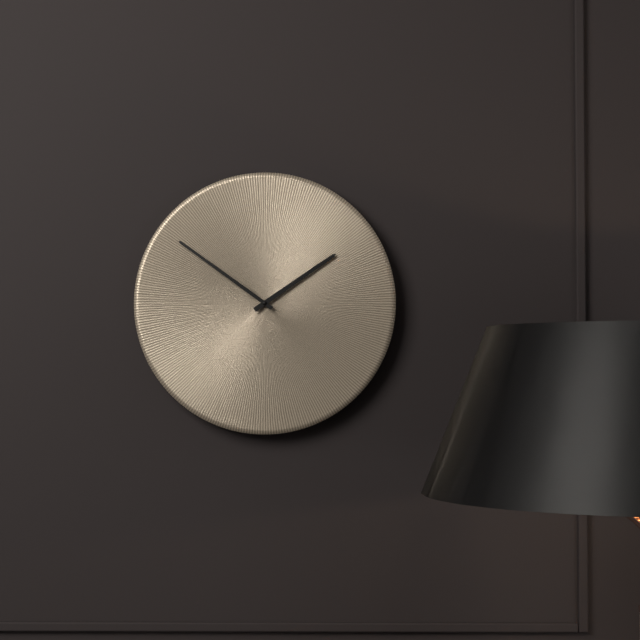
1:51
